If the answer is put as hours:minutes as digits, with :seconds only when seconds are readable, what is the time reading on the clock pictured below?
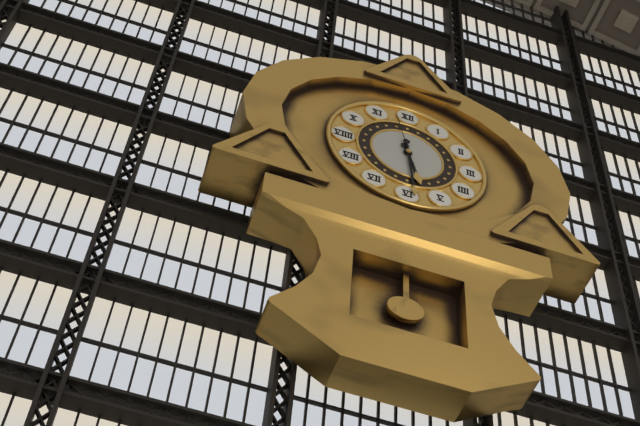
5:29
